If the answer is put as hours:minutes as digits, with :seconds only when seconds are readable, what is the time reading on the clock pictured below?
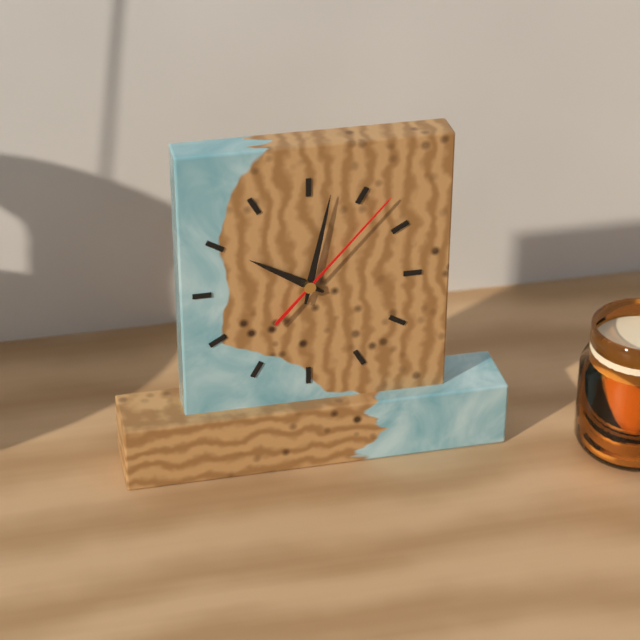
10:02:07
